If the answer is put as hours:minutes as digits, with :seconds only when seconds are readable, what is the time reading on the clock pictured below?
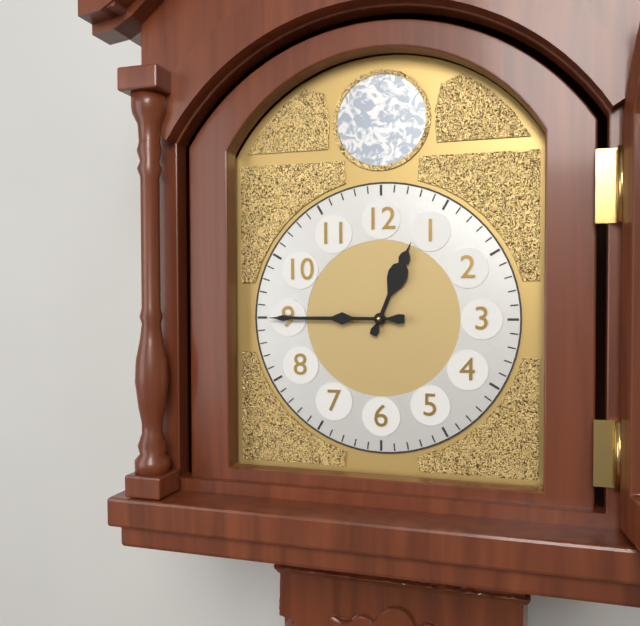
12:45
